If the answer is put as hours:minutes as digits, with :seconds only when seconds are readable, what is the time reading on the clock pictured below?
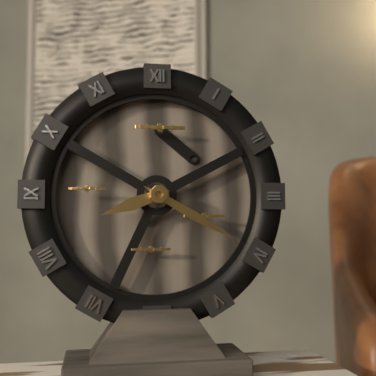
8:20
